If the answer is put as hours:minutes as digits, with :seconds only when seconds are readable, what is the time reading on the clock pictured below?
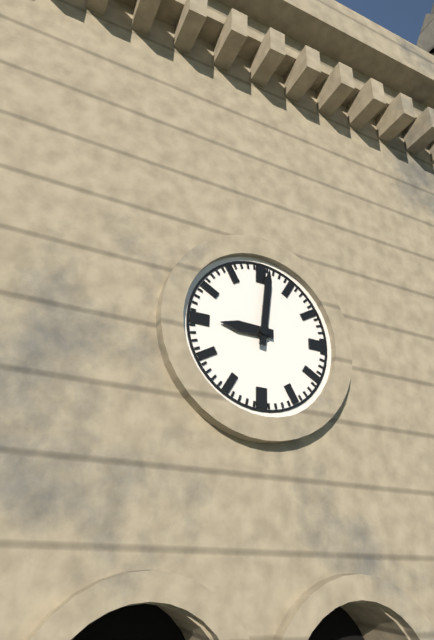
9:01
